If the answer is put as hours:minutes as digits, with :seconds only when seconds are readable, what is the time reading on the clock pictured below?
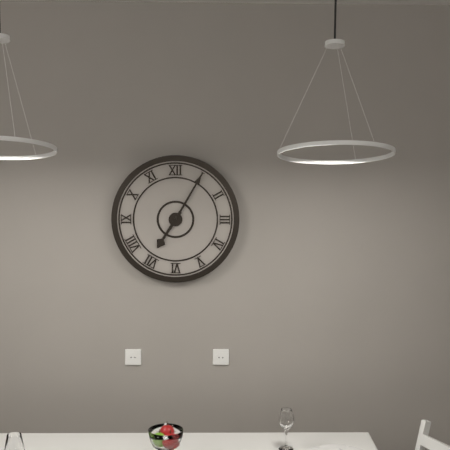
7:05
